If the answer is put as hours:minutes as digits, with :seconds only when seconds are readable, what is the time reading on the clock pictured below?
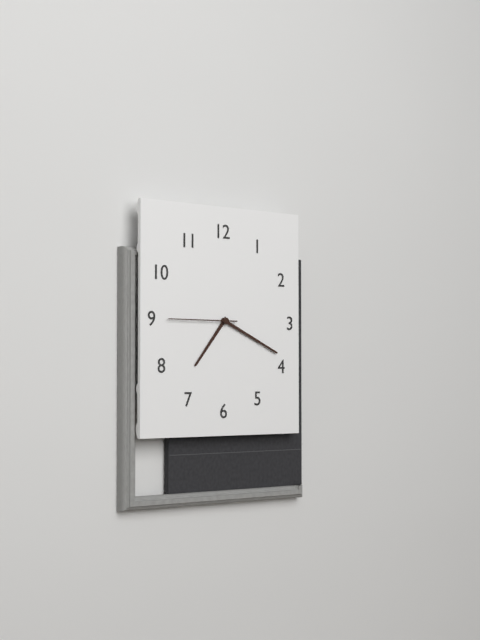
7:19:45
